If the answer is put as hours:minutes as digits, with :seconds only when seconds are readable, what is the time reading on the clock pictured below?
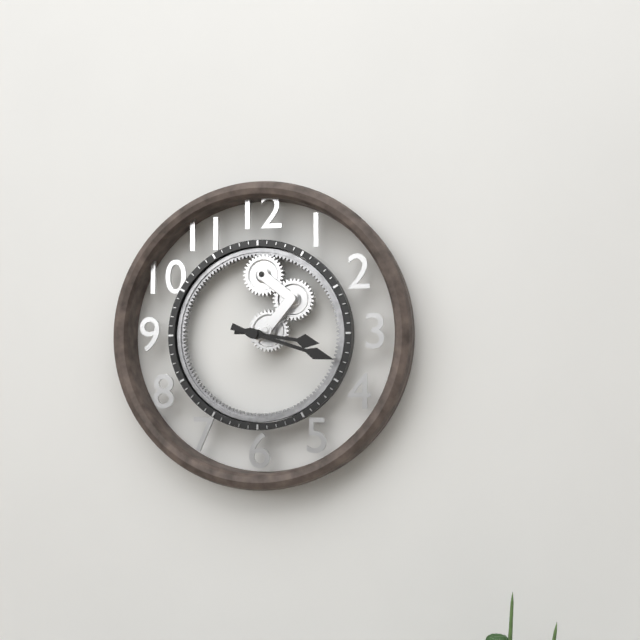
3:18
